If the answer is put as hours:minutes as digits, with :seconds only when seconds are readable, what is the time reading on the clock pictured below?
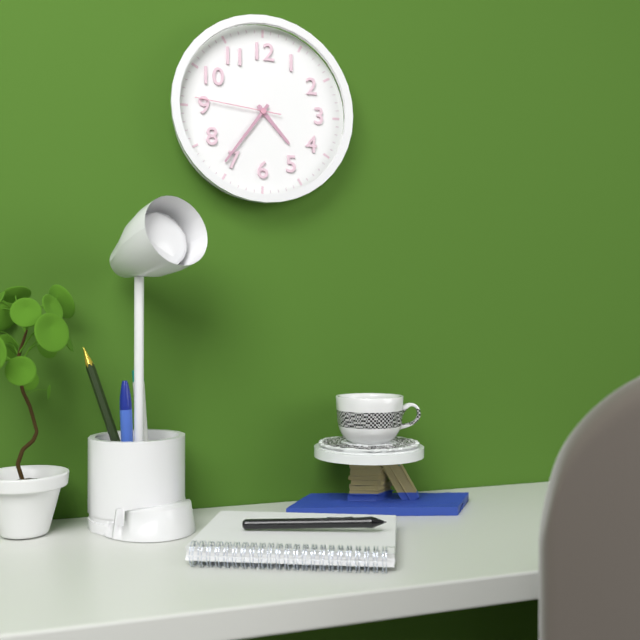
4:36:46
